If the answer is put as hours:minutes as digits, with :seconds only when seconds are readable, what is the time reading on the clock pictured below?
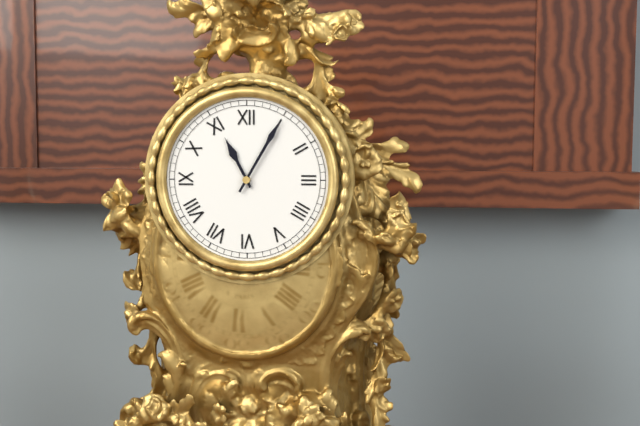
11:05
